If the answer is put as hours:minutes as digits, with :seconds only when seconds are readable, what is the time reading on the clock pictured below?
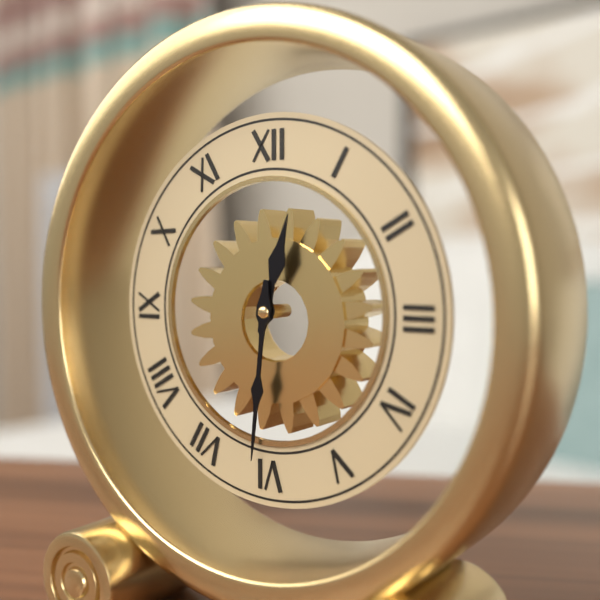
12:31
